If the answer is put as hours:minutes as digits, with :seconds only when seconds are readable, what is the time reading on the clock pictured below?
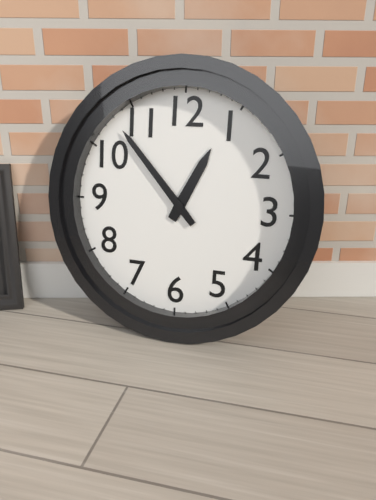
12:53
